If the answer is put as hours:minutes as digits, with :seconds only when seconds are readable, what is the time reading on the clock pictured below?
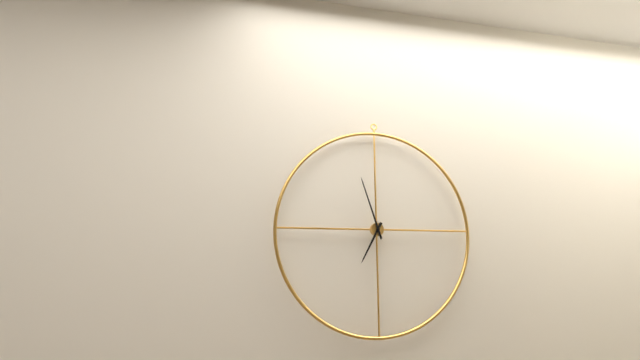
6:57
